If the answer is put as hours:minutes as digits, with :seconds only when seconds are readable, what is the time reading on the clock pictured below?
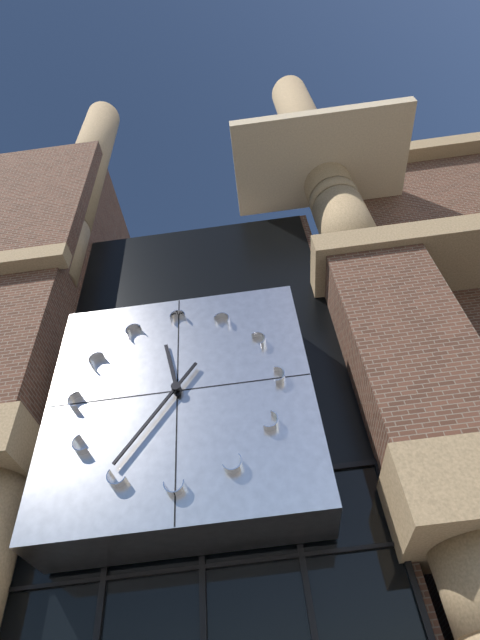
11:36
